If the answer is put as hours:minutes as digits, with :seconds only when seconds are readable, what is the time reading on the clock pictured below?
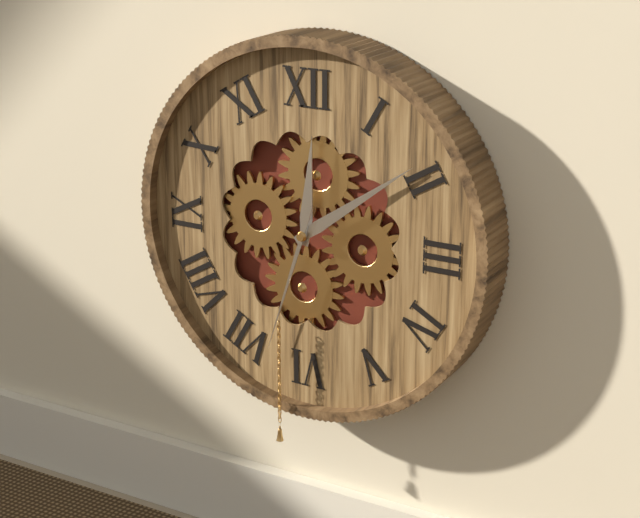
12:09:33
